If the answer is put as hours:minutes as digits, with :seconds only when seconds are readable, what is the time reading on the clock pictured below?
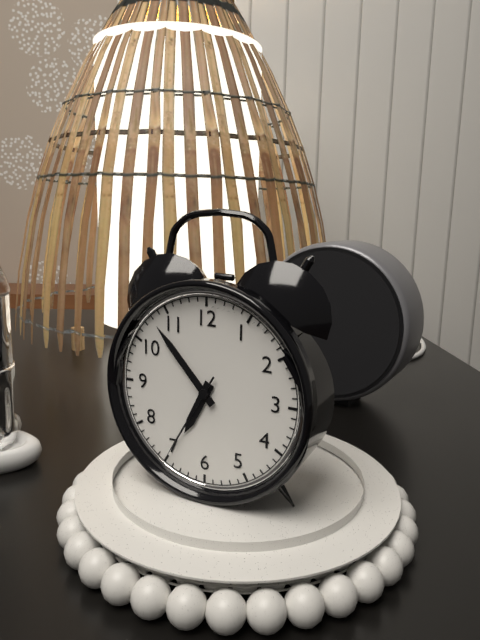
6:53:35
